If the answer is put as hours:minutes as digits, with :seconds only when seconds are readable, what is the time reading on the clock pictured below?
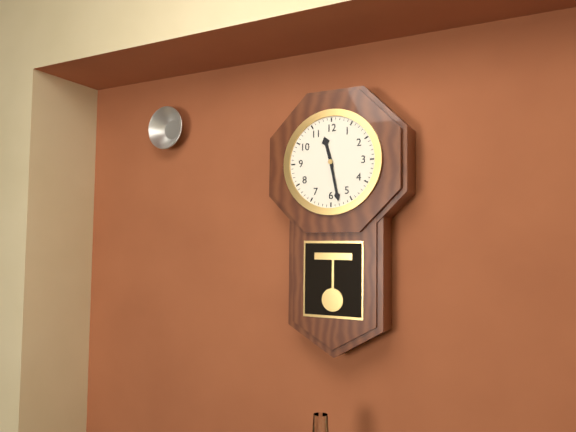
11:28
